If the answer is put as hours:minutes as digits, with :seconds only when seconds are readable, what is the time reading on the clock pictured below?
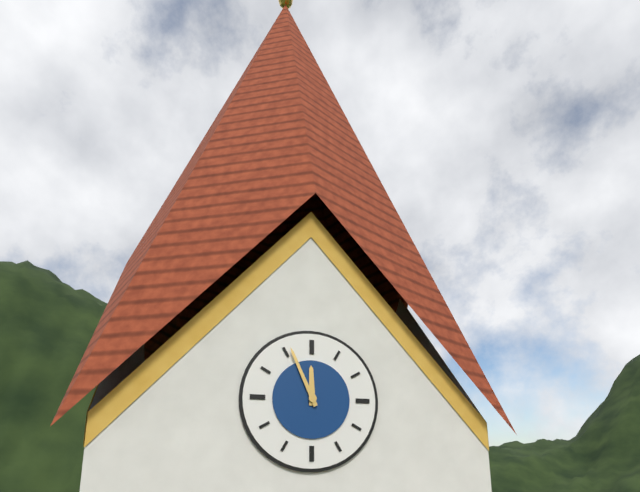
11:56
